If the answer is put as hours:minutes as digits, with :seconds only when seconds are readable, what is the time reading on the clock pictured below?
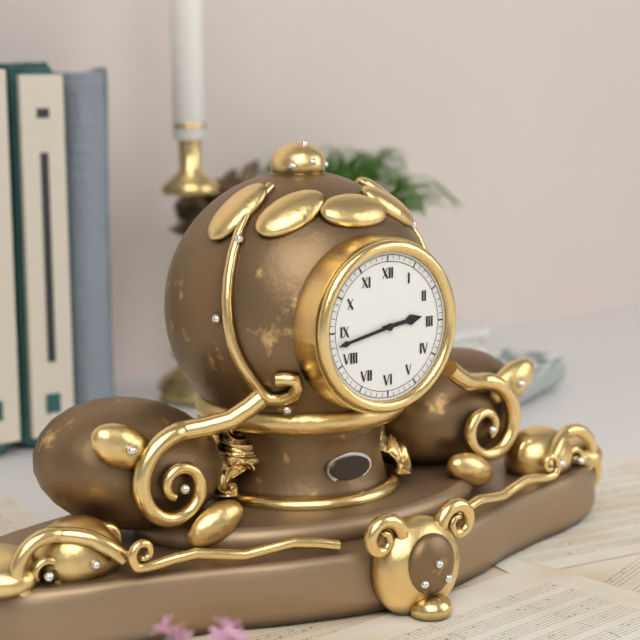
2:43
